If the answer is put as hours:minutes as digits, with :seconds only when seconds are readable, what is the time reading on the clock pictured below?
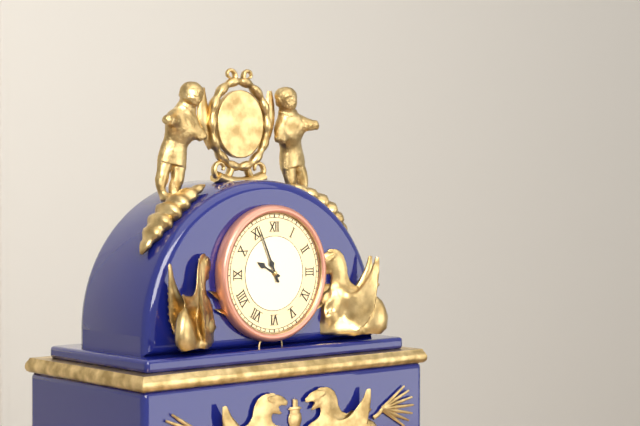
9:56
